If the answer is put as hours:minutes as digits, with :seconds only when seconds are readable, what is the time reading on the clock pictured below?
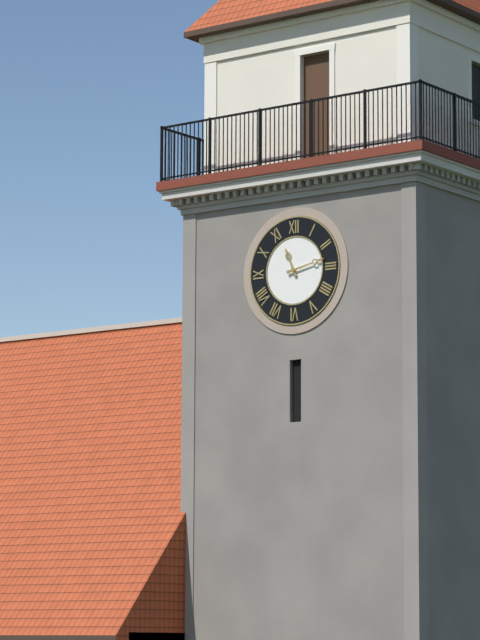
11:13
